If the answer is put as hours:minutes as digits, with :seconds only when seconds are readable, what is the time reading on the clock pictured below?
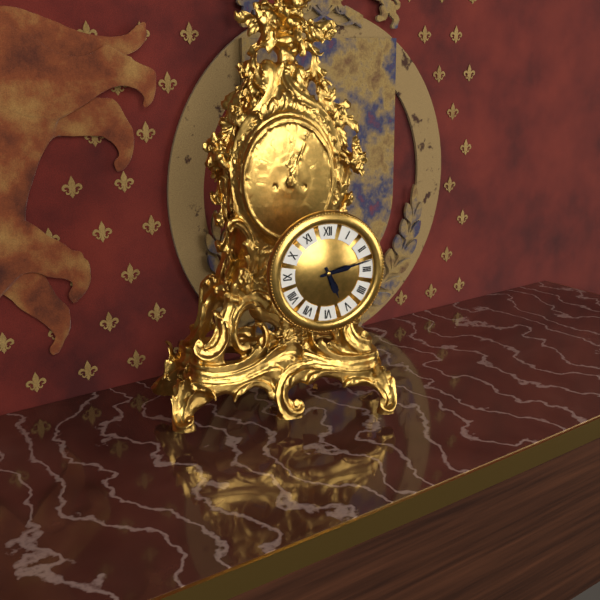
5:13
